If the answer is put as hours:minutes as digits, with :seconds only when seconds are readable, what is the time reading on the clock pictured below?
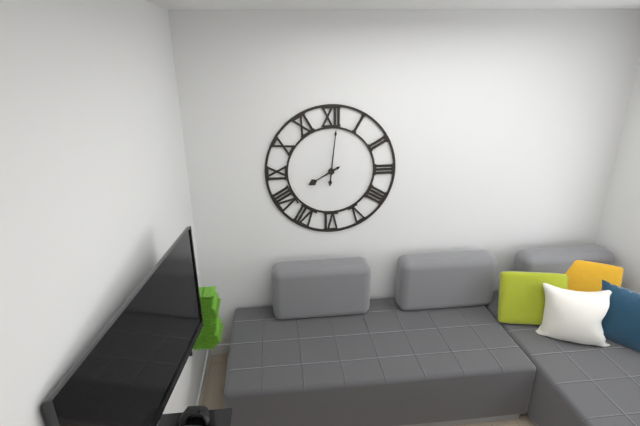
8:01
